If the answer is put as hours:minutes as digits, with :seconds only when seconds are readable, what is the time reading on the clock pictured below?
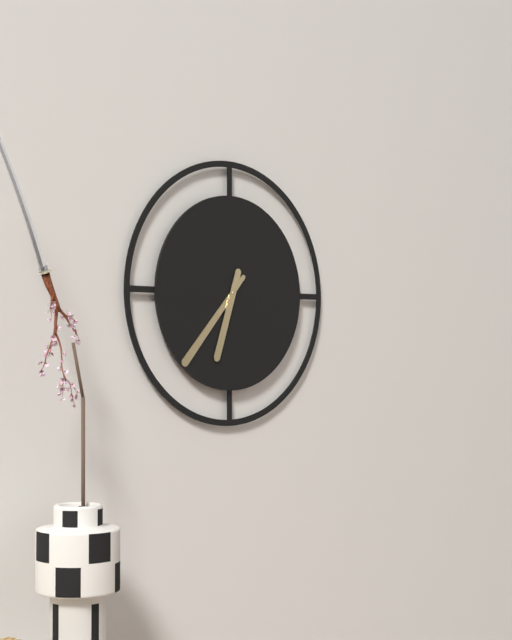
6:37
